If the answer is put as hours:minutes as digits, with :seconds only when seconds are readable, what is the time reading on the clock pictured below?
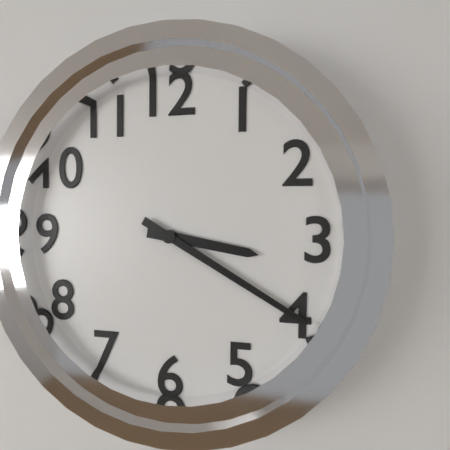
3:20
